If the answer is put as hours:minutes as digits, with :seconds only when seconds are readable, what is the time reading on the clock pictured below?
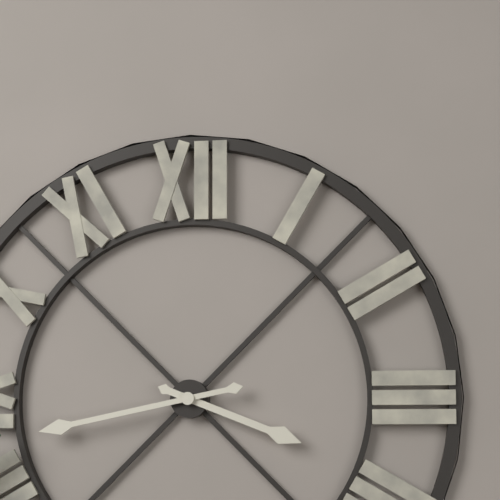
3:43
